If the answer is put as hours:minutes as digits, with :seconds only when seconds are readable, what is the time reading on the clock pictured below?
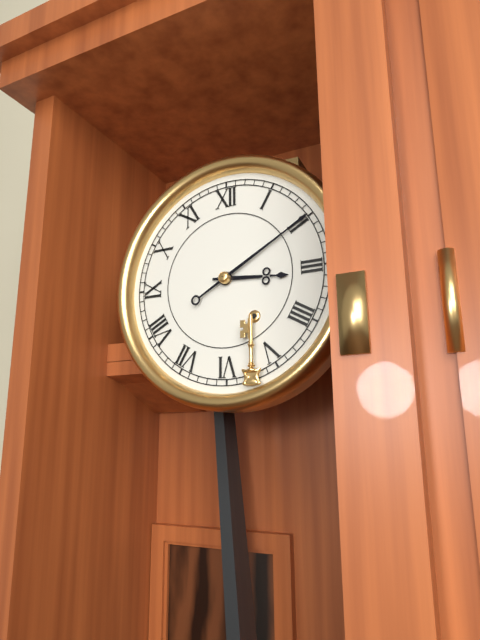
3:10
